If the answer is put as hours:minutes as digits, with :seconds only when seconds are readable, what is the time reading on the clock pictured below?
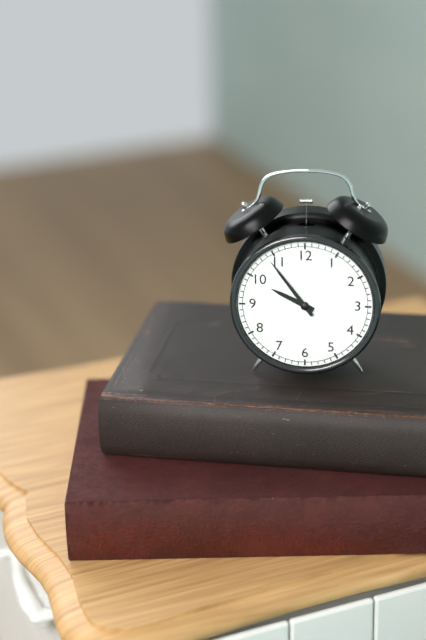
9:54
